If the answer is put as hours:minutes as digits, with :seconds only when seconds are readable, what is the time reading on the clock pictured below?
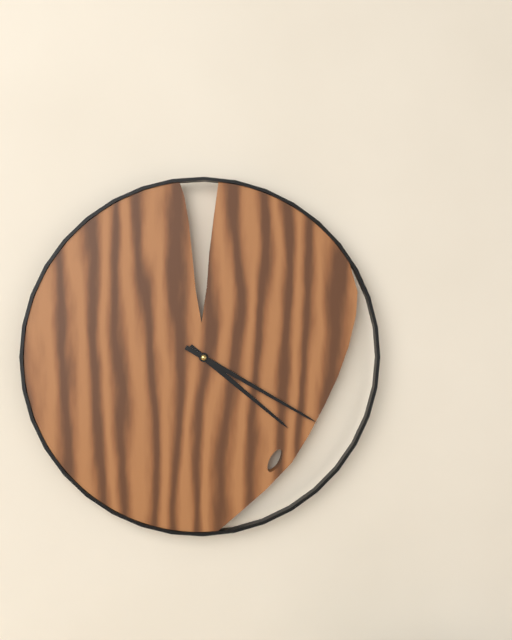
4:20
